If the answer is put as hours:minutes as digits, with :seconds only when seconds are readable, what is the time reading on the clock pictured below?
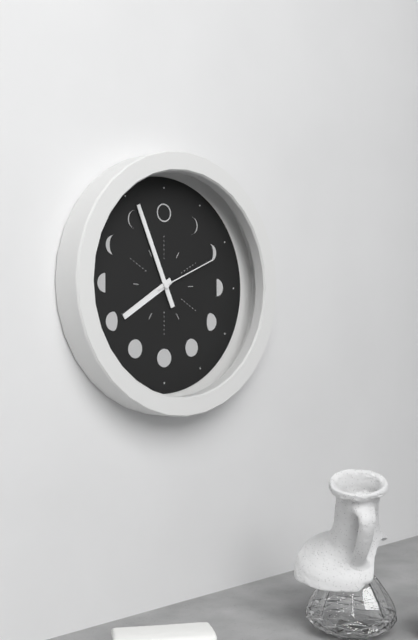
7:56:11
